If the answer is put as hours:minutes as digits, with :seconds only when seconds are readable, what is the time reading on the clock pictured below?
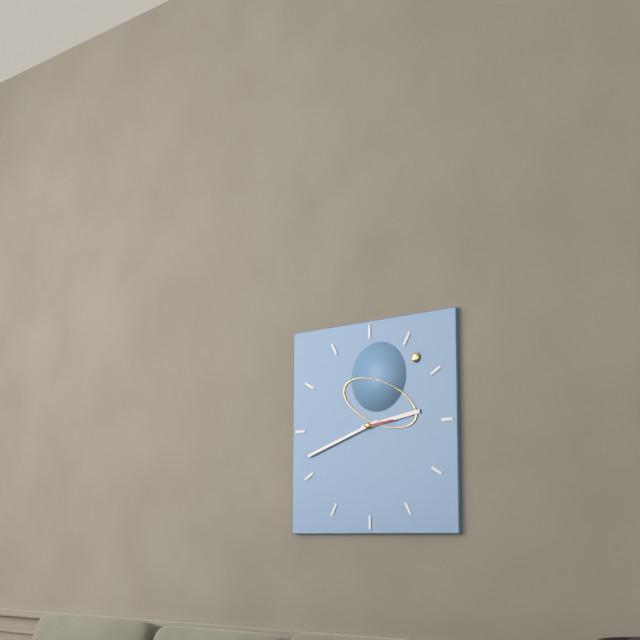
2:42
